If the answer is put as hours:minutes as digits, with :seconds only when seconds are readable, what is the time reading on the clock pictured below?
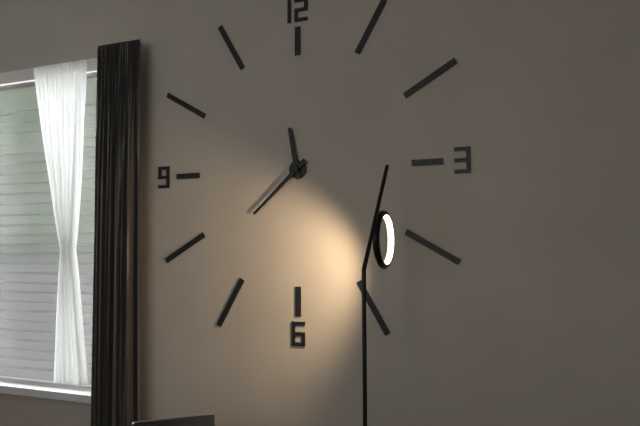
11:38
